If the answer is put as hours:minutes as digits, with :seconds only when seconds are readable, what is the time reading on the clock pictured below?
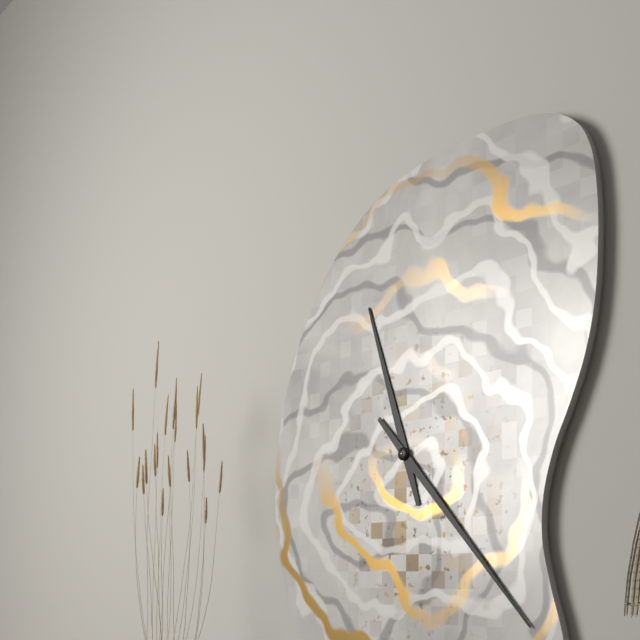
11:23
